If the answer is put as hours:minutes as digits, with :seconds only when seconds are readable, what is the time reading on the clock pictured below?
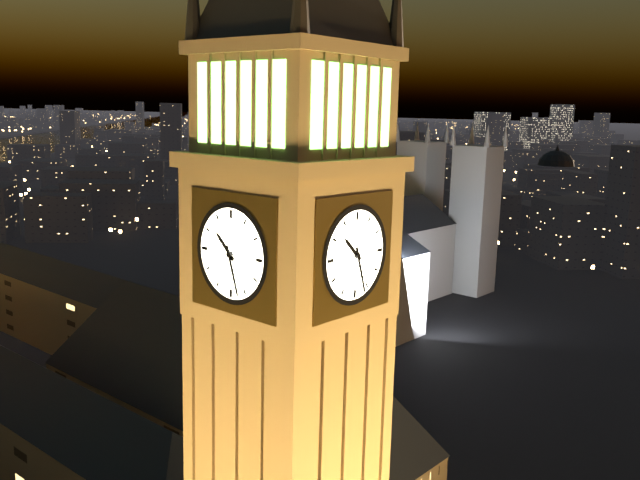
10:27
